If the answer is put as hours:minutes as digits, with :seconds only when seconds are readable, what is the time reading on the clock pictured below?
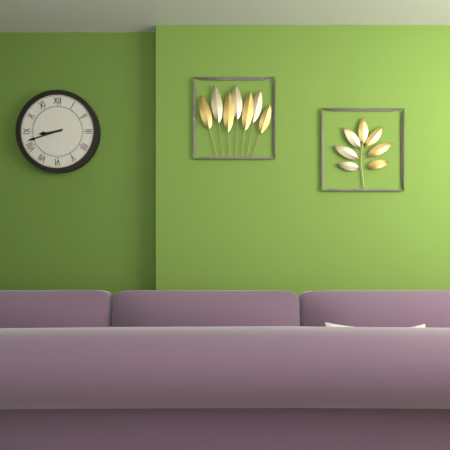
8:42
